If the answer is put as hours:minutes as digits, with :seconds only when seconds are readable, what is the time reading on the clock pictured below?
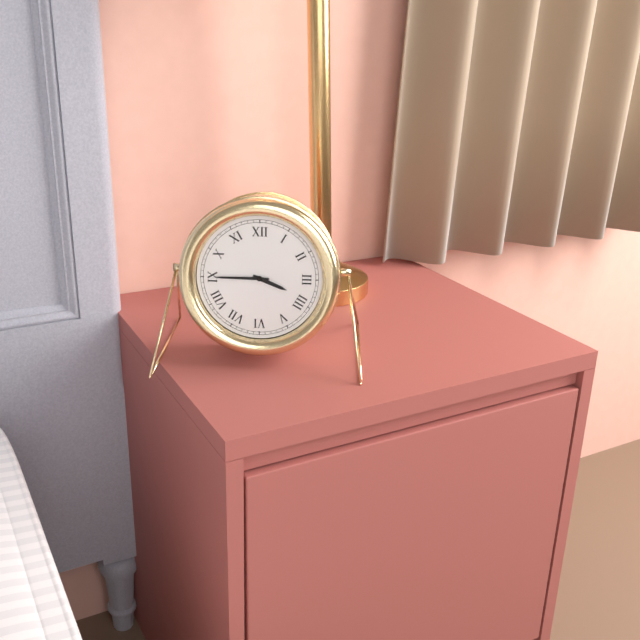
3:45
